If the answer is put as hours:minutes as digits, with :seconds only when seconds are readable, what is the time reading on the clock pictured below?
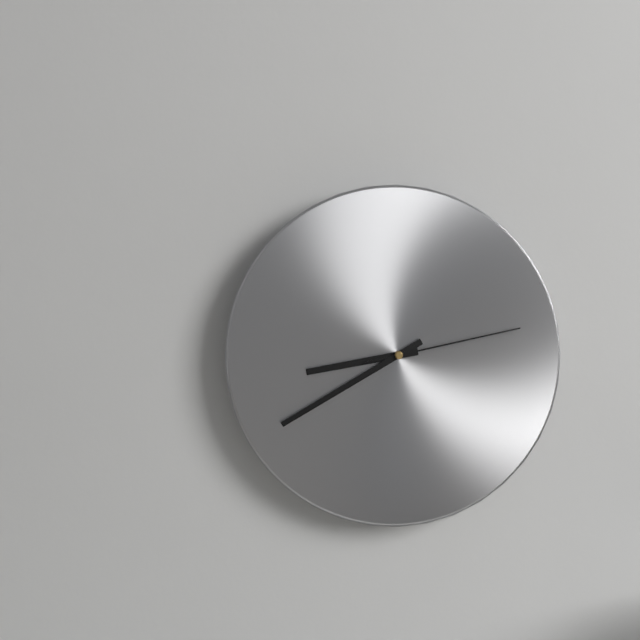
8:40:13
